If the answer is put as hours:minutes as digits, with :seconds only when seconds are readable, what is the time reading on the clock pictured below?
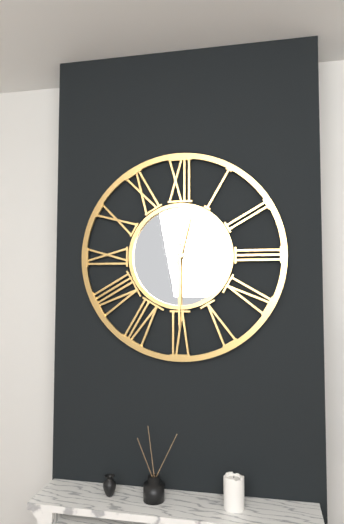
12:30
